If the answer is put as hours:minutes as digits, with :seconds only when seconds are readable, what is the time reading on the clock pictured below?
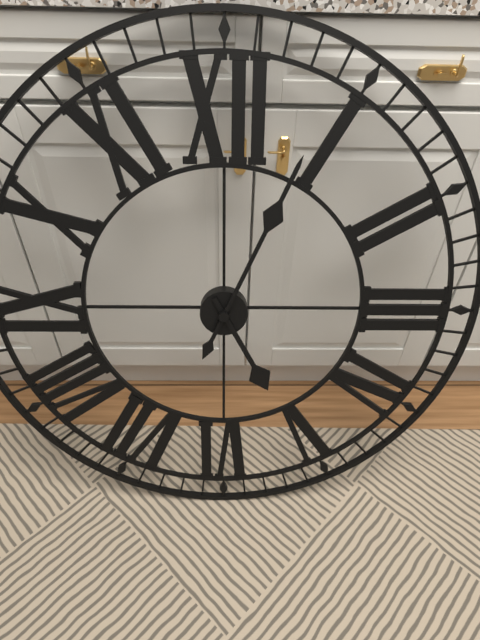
5:04
